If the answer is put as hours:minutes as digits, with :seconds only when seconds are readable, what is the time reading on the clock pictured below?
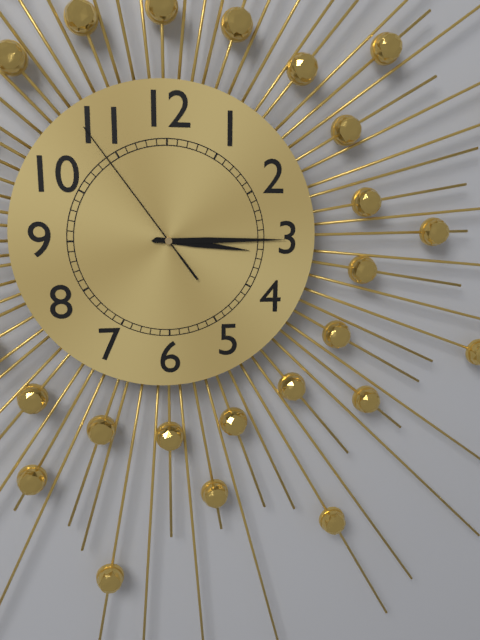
3:15:54
